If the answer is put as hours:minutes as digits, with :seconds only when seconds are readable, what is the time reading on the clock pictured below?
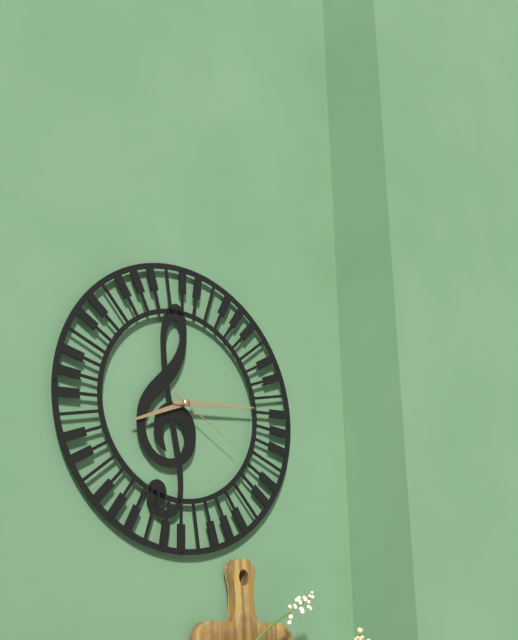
8:14:20
